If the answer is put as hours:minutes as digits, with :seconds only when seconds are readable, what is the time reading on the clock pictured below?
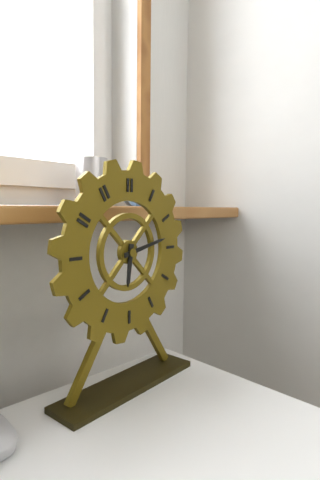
6:13
